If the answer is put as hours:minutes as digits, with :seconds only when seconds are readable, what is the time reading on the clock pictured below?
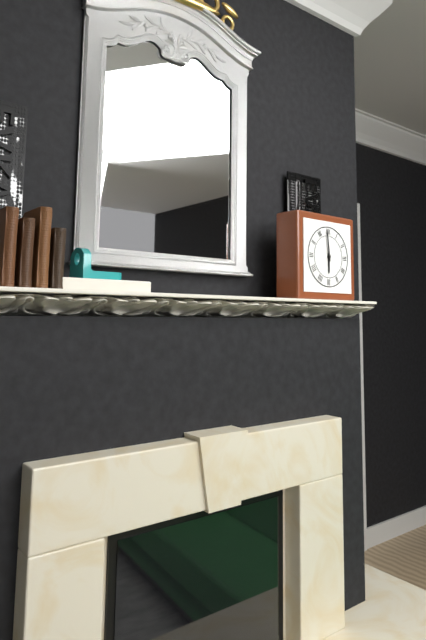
5:59
